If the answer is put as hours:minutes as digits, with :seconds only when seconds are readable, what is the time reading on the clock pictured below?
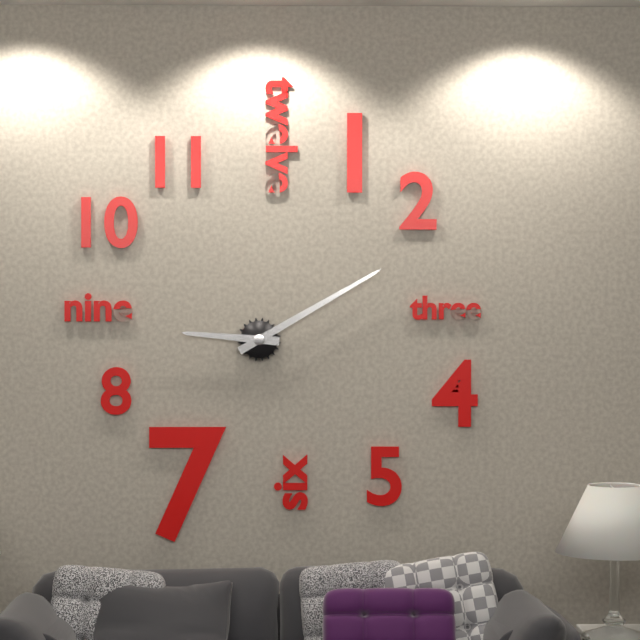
9:10
